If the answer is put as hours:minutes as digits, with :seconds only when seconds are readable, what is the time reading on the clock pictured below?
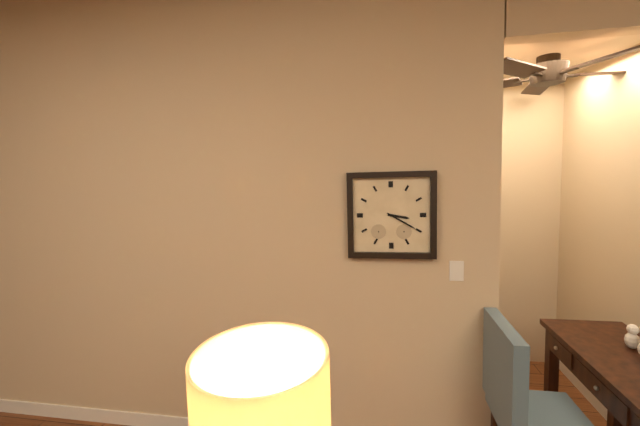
3:20
